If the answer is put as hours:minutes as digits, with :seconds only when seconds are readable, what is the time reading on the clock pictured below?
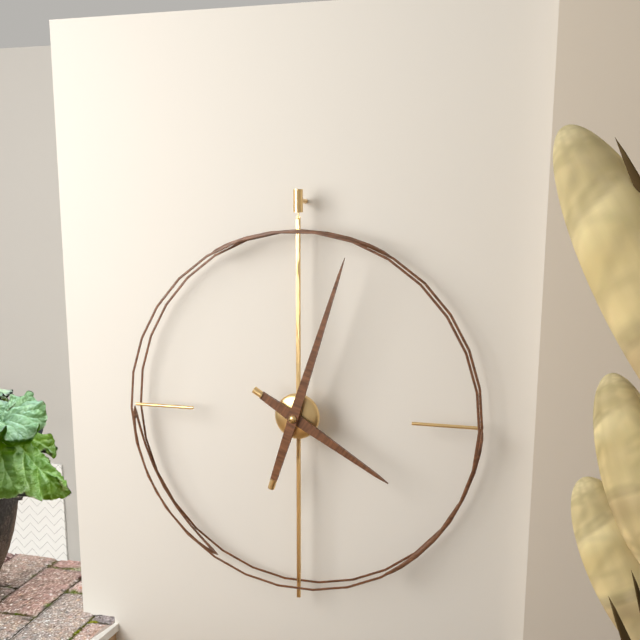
4:03
